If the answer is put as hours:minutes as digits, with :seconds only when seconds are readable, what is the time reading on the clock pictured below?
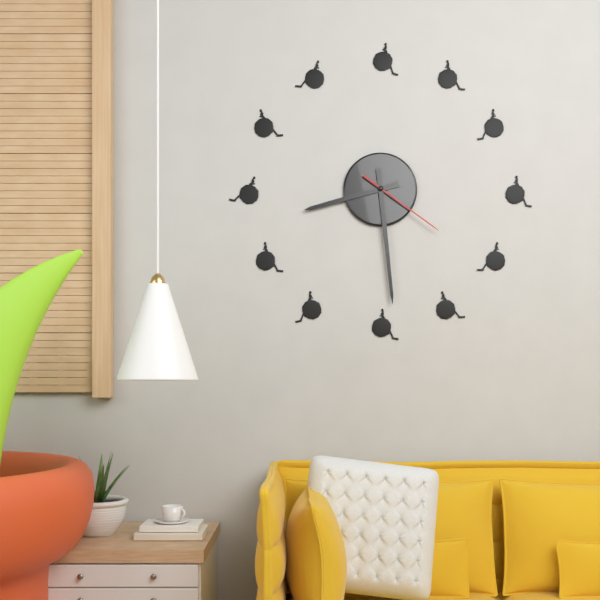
8:29:21
